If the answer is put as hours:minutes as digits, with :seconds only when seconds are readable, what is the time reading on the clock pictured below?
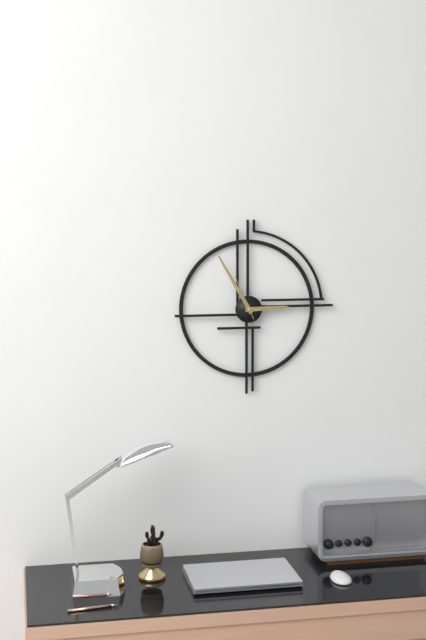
2:55
